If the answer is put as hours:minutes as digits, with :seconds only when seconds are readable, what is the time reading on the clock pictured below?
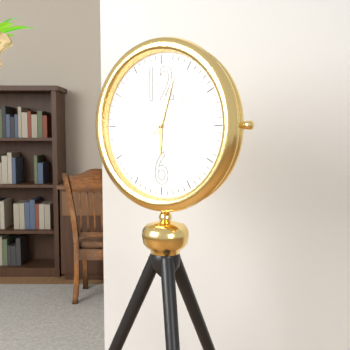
6:03:08
